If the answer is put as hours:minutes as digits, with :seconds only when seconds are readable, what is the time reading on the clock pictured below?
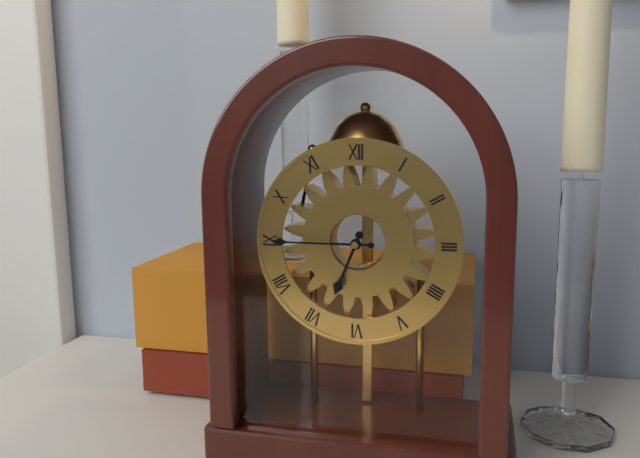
6:45
